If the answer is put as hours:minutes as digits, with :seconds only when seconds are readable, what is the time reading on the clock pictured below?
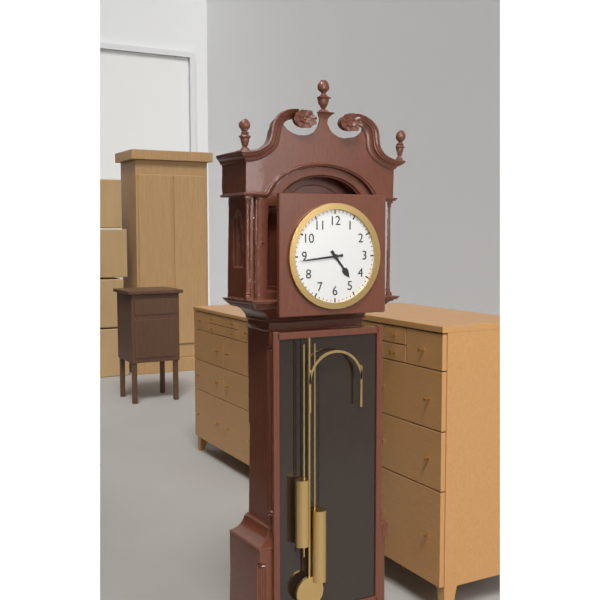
4:44
